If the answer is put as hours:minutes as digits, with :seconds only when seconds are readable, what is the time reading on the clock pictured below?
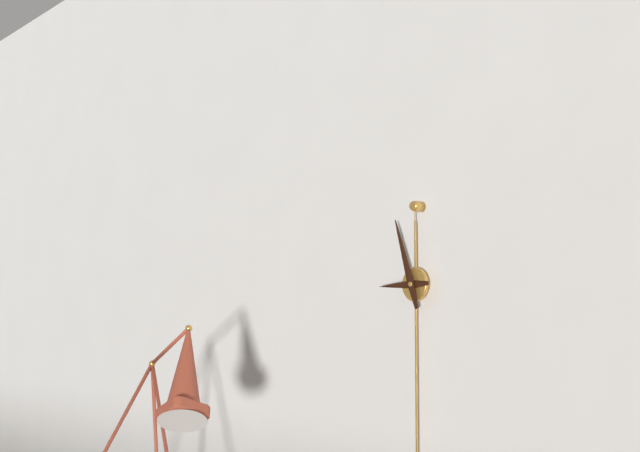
8:57
